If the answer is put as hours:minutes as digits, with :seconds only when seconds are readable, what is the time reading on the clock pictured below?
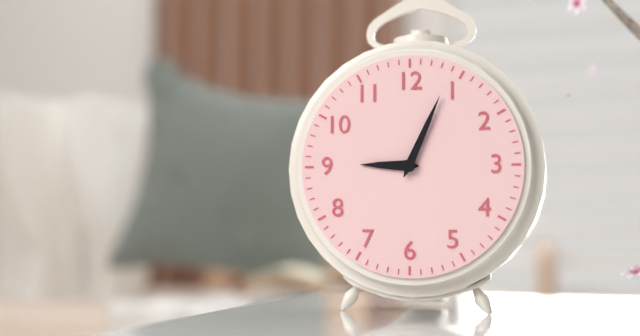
9:04
